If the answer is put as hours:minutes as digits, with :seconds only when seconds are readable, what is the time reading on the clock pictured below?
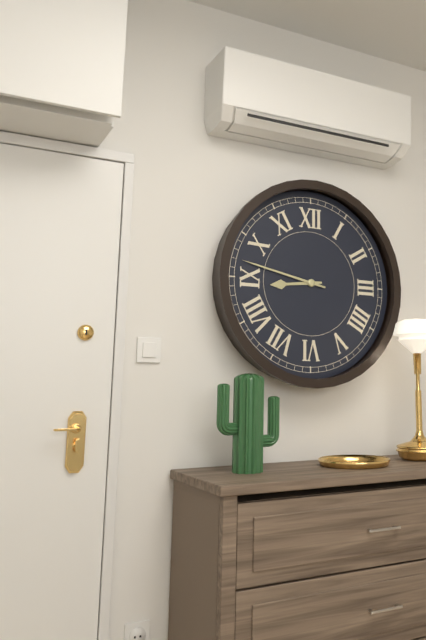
8:47
